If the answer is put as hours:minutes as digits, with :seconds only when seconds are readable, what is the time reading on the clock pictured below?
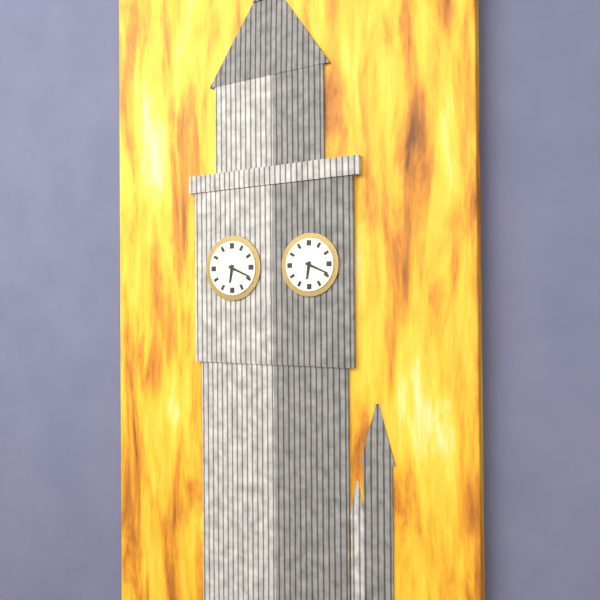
6:19
